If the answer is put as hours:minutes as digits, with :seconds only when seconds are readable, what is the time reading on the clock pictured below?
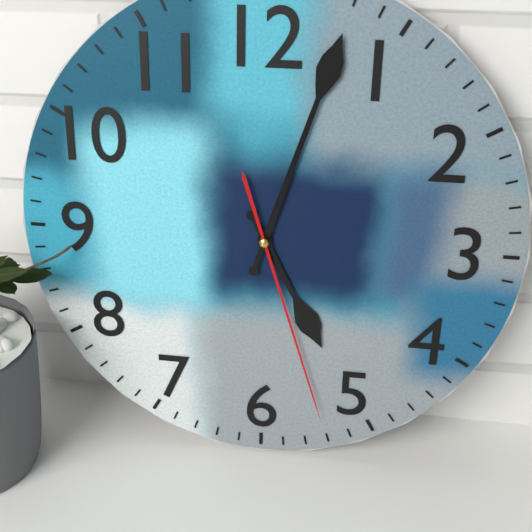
5:03:27
